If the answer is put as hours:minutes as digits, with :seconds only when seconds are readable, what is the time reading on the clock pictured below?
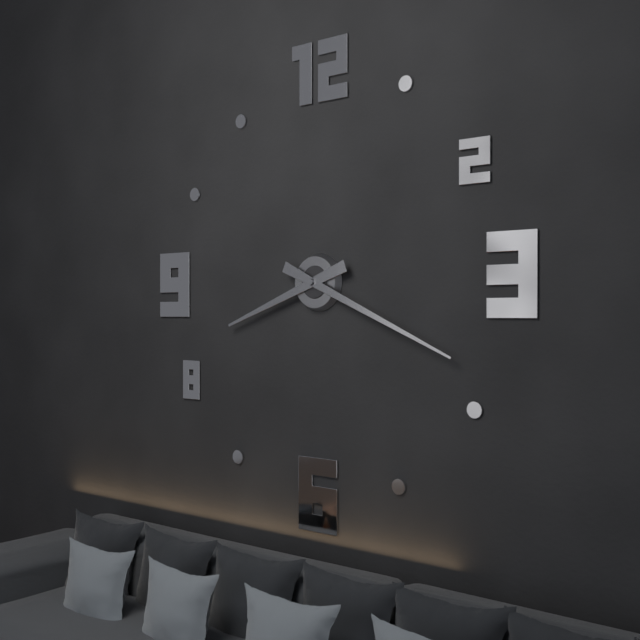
8:19
